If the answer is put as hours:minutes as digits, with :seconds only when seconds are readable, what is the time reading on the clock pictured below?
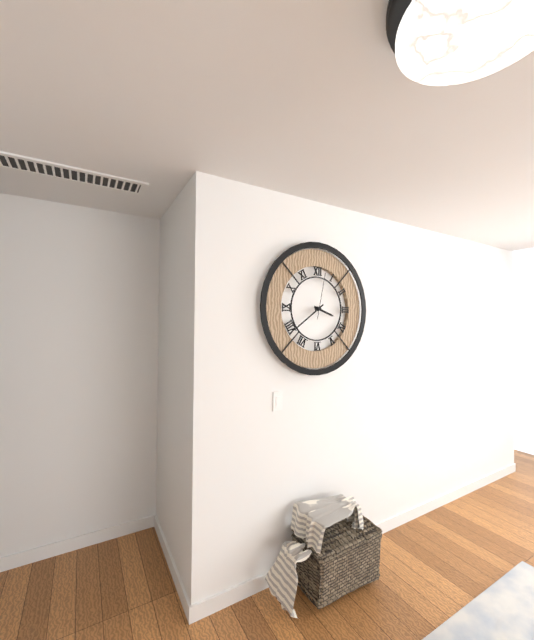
3:39
